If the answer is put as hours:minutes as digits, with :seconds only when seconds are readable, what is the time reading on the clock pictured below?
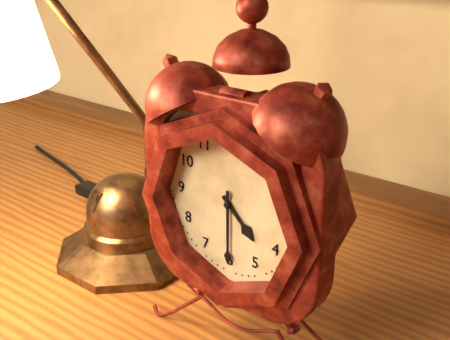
4:30
